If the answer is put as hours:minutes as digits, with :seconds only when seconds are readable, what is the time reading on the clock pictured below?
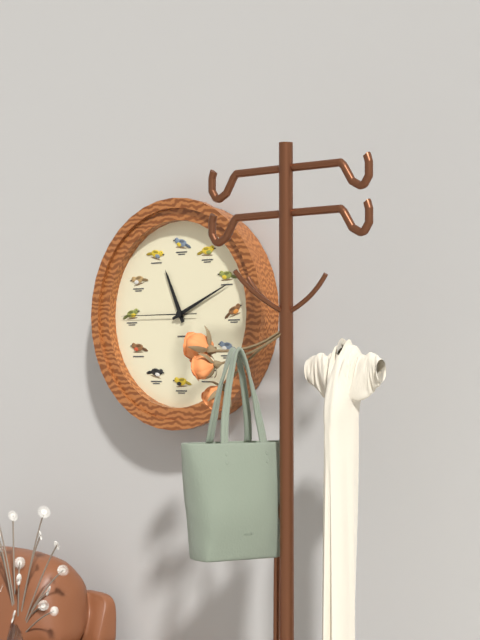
11:11:45
